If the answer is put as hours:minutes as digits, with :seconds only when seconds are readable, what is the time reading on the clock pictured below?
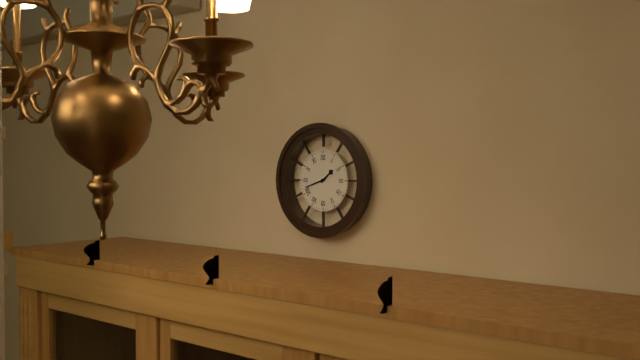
1:42
